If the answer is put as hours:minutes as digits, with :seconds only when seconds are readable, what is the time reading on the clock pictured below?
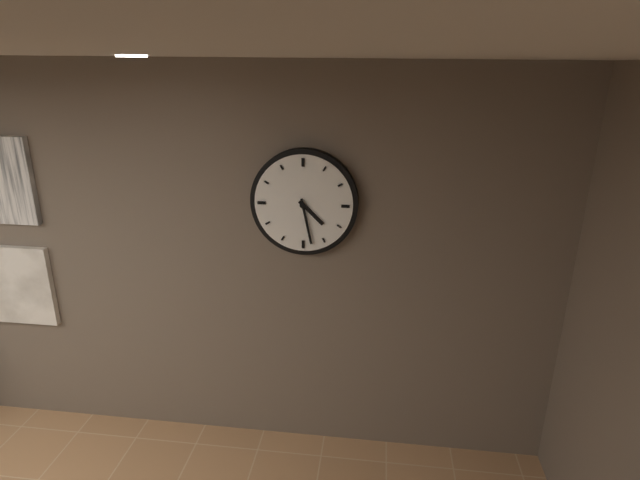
4:28
